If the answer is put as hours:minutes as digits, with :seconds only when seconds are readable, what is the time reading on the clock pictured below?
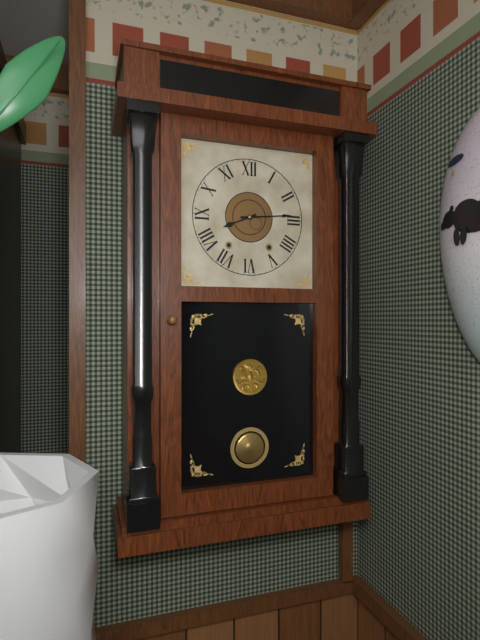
8:14
